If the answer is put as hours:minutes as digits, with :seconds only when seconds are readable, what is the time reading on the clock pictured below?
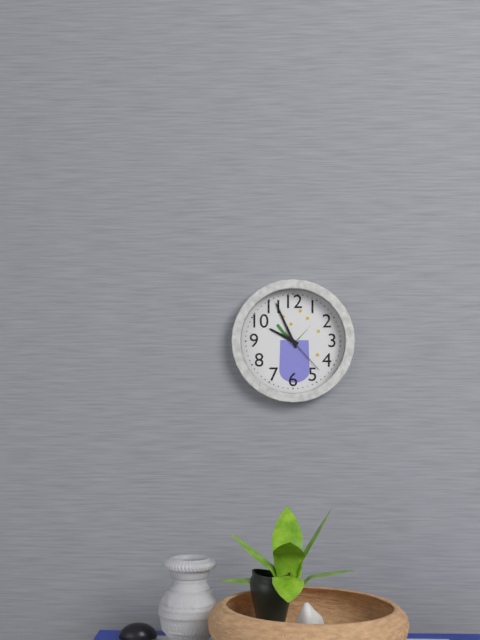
9:56:23
